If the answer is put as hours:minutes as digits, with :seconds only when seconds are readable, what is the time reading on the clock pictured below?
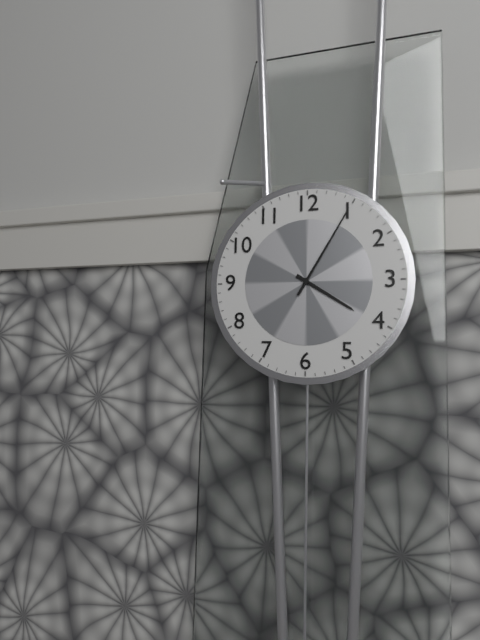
4:05
